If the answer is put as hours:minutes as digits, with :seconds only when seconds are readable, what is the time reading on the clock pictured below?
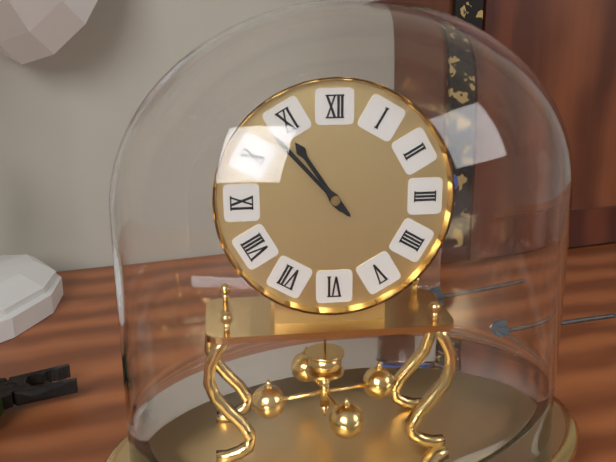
10:53
